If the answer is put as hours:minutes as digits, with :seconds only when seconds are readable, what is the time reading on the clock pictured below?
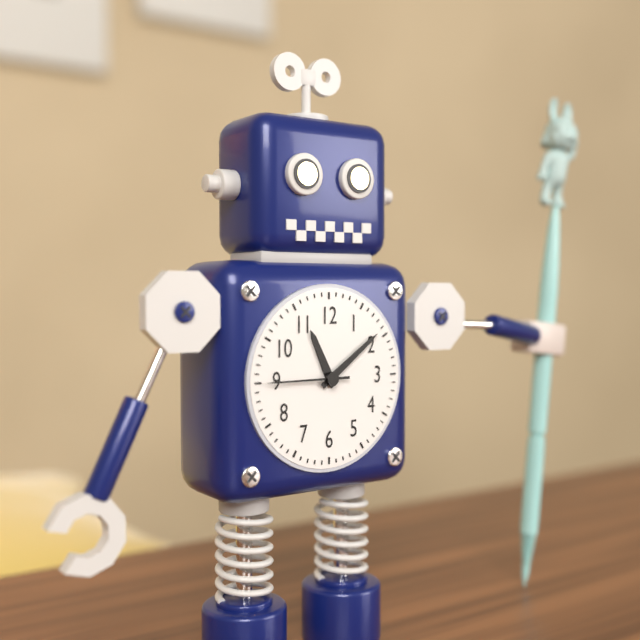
11:09:45
